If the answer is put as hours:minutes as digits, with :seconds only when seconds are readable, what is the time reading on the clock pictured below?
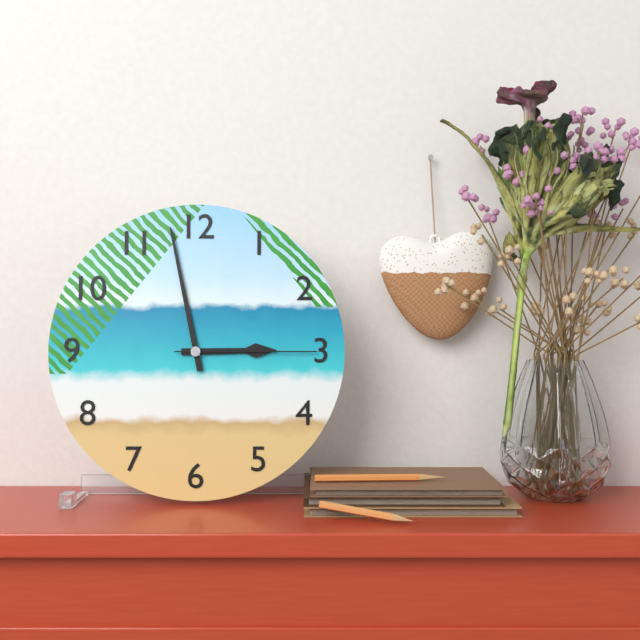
2:58:15
